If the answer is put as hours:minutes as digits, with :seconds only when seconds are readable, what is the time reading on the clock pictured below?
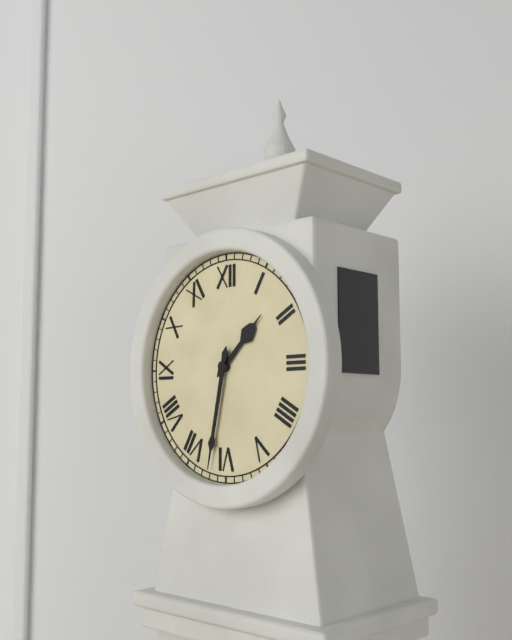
1:32
